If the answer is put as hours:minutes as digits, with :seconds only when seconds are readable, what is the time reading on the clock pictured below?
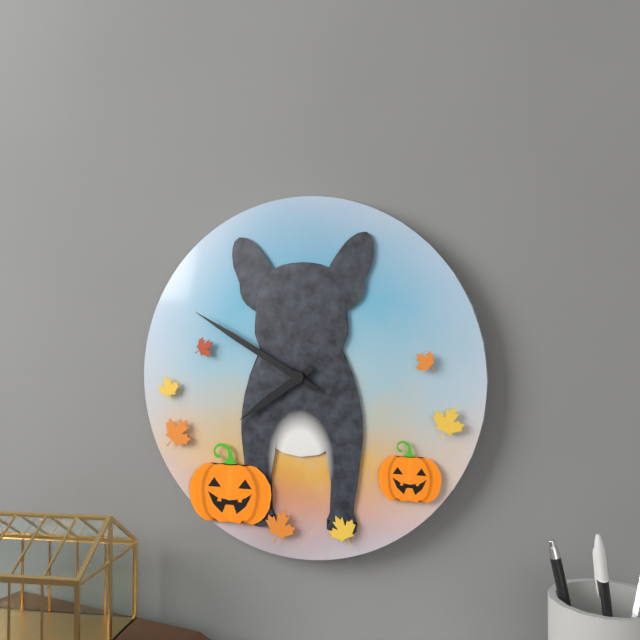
7:50
